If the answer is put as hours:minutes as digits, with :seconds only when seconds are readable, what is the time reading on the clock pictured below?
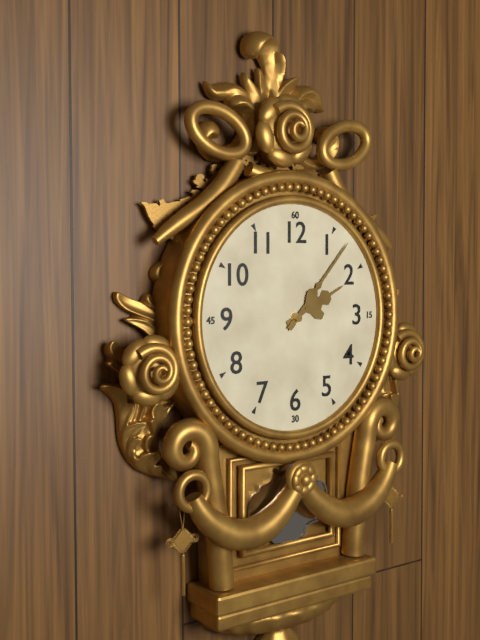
2:07
